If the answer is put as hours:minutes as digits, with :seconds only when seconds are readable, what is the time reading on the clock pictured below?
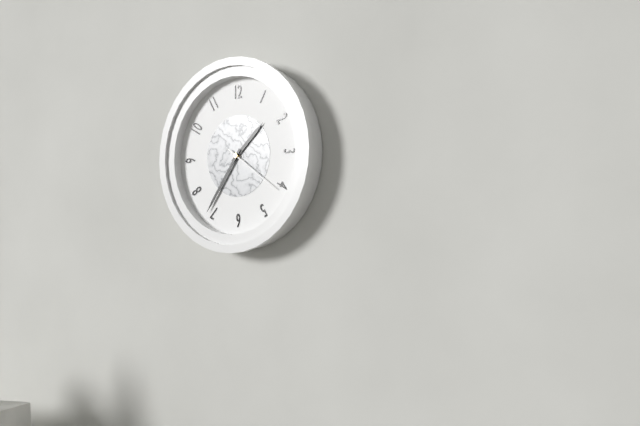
1:36:21
